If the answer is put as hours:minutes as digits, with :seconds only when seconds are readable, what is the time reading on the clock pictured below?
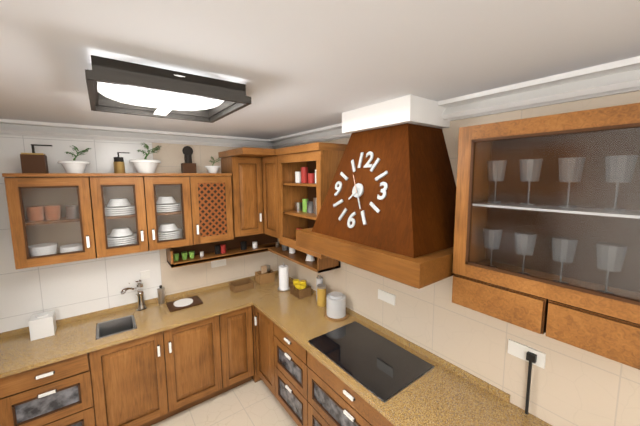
7:25
